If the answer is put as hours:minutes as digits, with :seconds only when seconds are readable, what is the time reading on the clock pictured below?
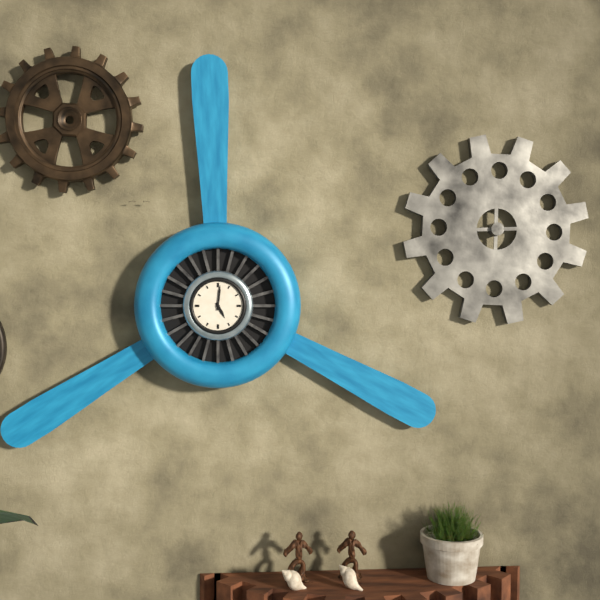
5:01
